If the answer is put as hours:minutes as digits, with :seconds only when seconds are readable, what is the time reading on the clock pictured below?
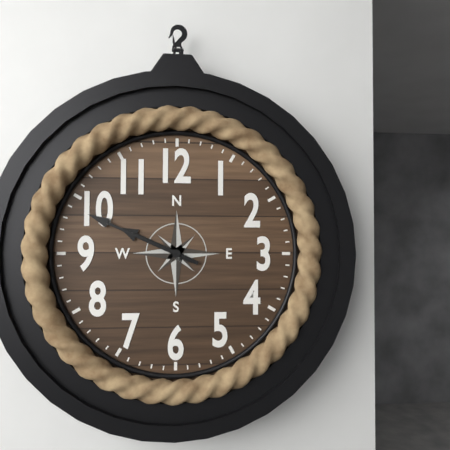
9:49
